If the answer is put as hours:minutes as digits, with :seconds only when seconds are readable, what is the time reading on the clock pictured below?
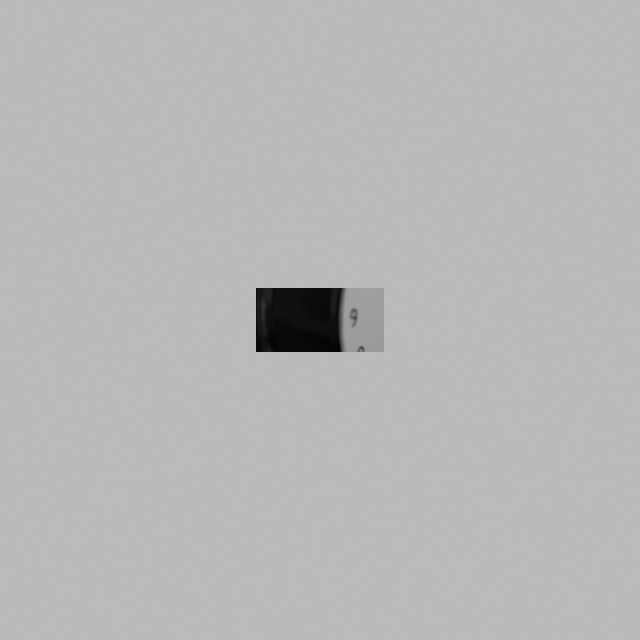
3:06
